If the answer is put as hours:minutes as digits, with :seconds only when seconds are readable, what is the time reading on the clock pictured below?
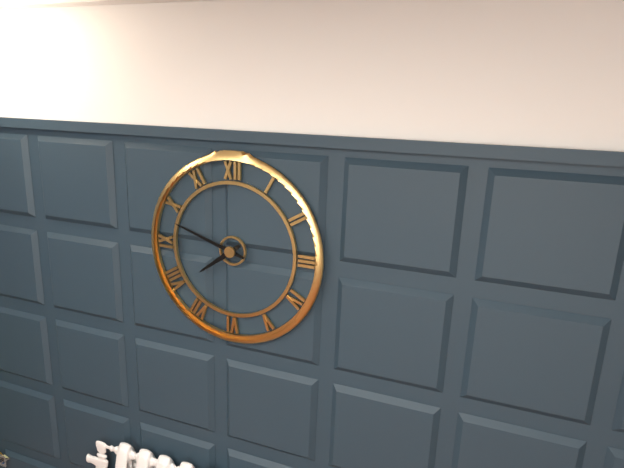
7:48
